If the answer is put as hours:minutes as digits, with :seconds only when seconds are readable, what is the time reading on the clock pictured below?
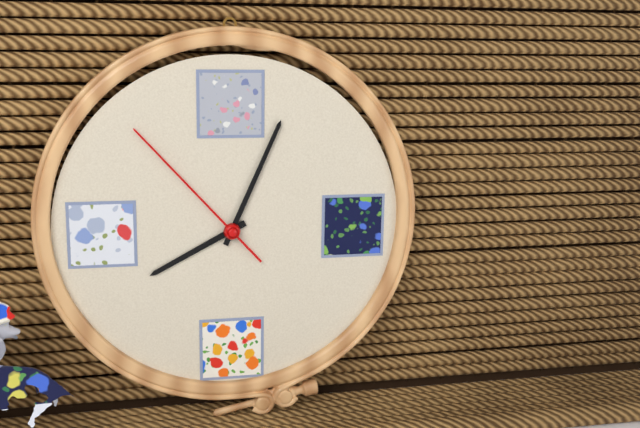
8:04:53
